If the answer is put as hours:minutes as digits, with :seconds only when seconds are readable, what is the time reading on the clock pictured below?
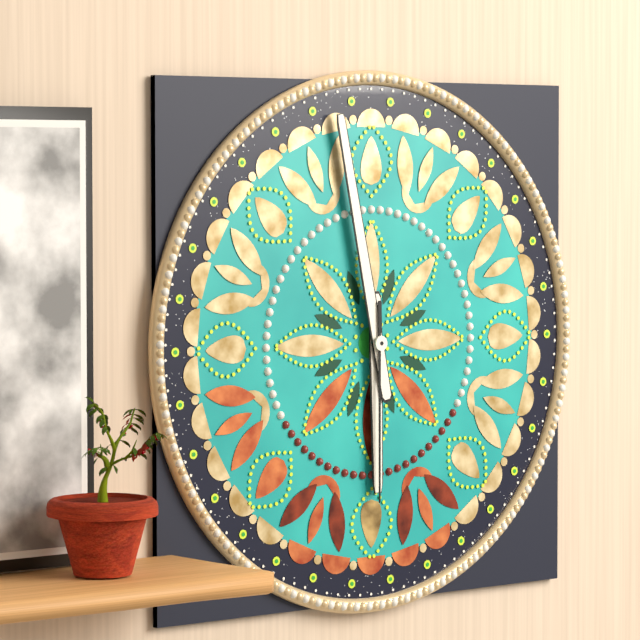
5:58:30
